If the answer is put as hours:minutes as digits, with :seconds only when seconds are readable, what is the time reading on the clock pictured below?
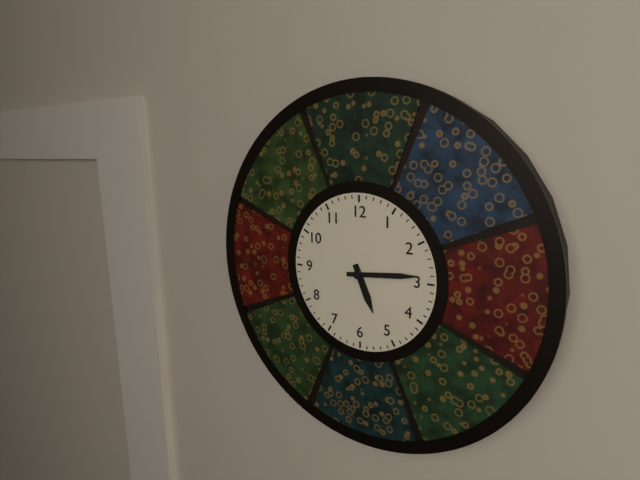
5:14
